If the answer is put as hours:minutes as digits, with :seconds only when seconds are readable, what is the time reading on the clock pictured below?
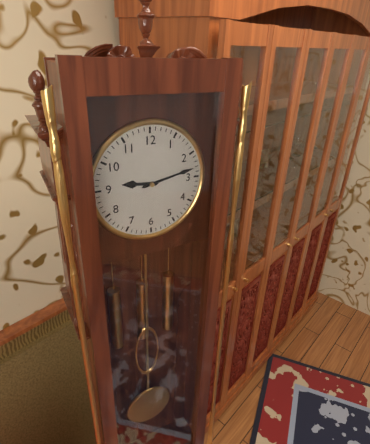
9:13
